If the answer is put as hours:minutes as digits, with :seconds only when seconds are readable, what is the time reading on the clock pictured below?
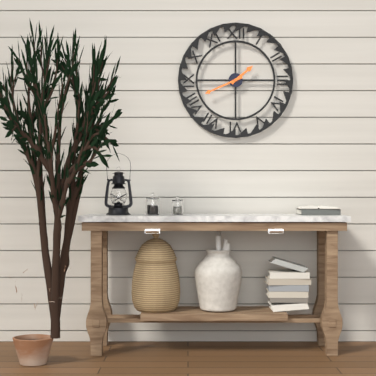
1:41
